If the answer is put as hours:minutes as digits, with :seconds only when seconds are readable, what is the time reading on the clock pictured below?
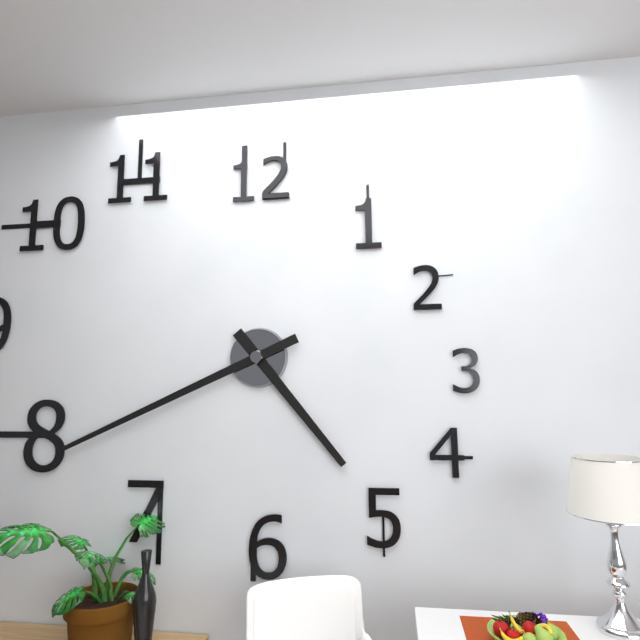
4:41
